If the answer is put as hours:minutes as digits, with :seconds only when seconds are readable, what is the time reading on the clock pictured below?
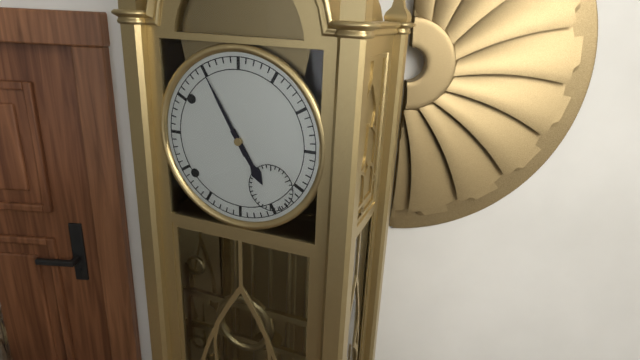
4:55
